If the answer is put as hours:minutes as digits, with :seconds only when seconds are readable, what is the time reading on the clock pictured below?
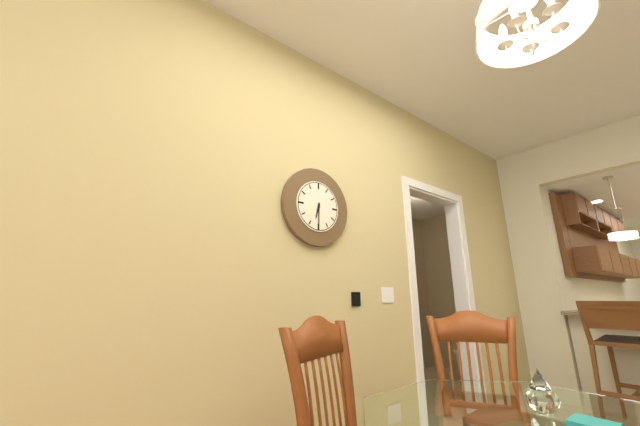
6:30
